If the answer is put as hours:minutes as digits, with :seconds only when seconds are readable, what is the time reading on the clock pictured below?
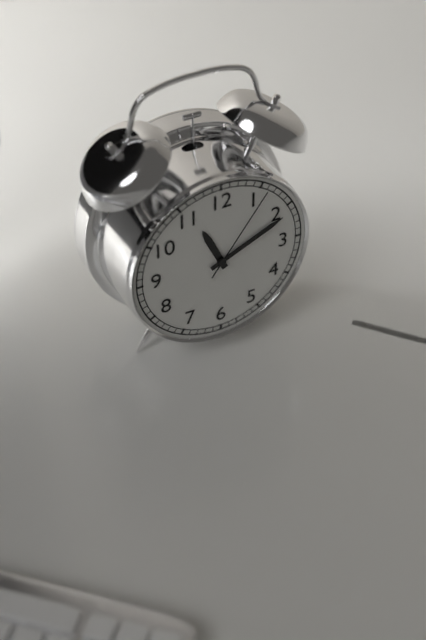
11:11:06
